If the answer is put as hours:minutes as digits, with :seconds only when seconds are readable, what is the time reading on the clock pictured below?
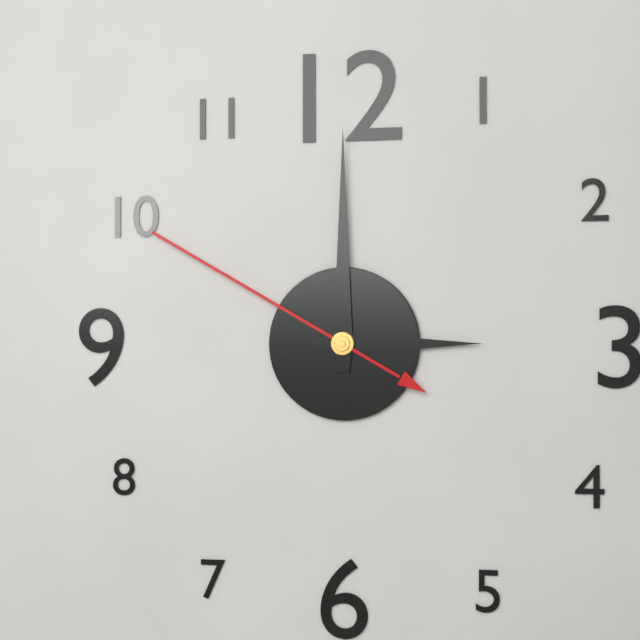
3:00:50
